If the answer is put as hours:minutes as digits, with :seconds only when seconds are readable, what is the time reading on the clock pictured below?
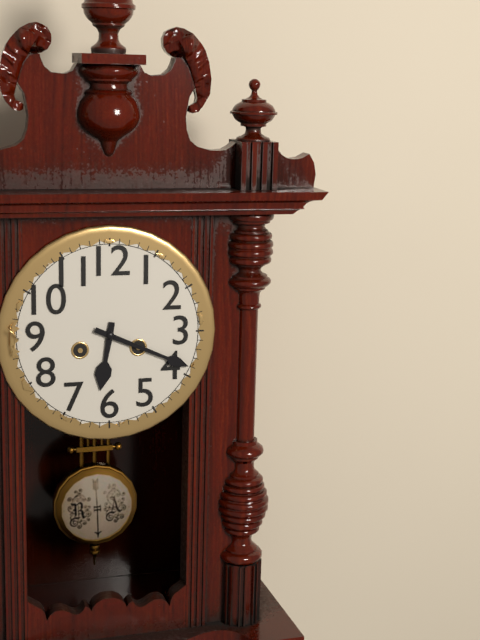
6:19
